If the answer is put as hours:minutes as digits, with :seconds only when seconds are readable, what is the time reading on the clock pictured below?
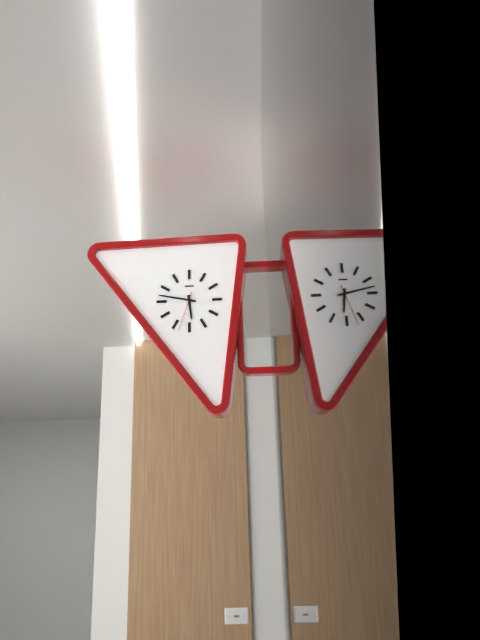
5:47
